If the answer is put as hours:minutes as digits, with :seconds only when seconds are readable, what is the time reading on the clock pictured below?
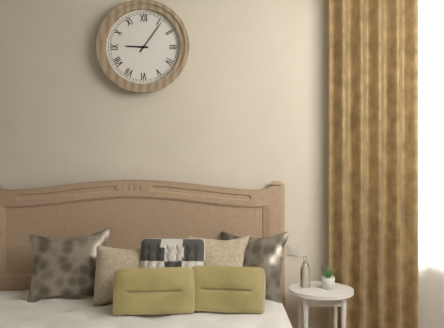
9:06
